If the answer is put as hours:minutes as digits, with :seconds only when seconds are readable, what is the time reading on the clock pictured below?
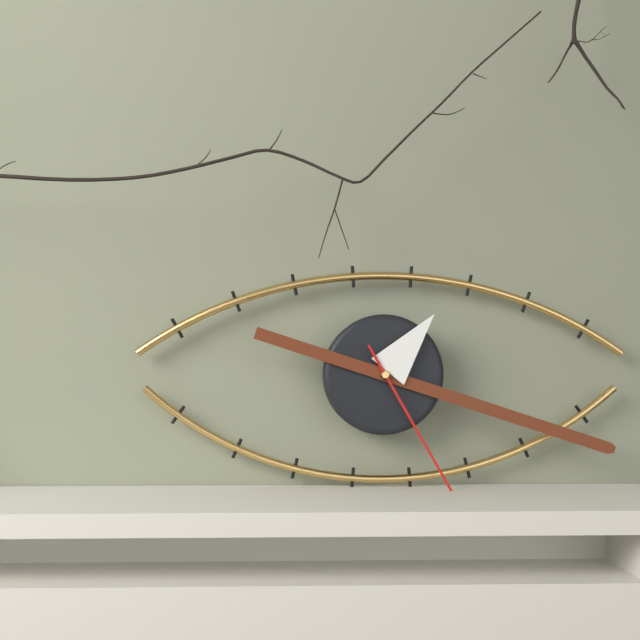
1:18:25
